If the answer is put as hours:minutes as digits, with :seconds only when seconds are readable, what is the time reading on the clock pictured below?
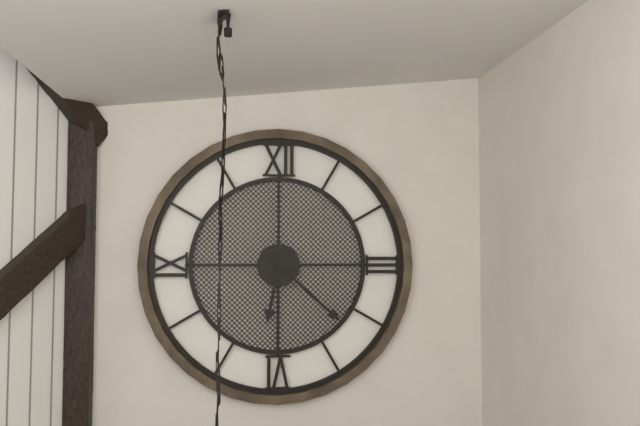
6:22
